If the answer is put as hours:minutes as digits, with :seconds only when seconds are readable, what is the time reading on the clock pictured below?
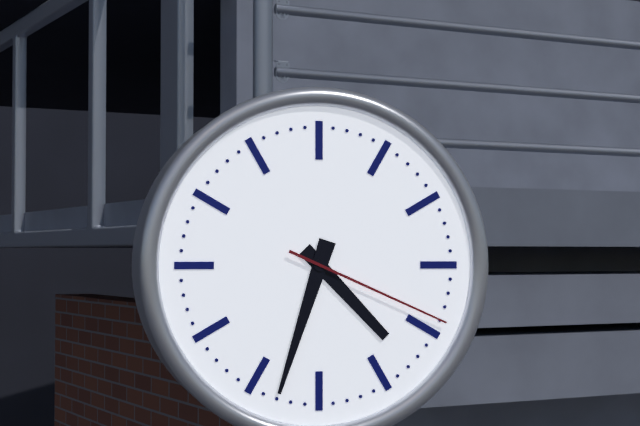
4:33:19
